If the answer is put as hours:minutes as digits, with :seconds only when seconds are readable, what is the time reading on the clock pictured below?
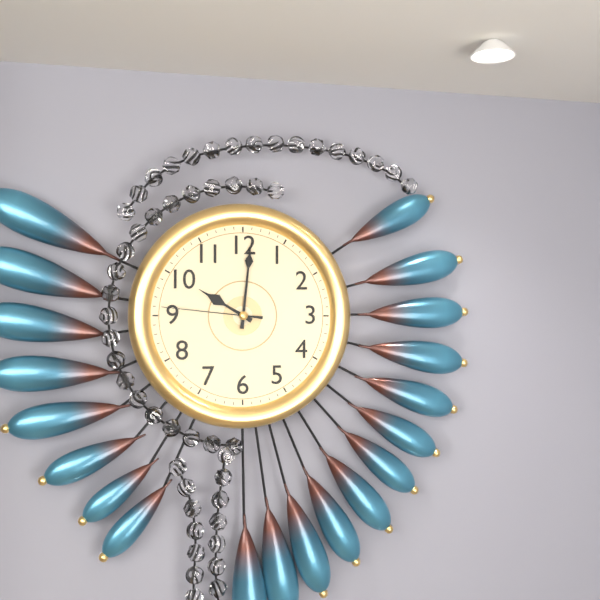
10:01:46
